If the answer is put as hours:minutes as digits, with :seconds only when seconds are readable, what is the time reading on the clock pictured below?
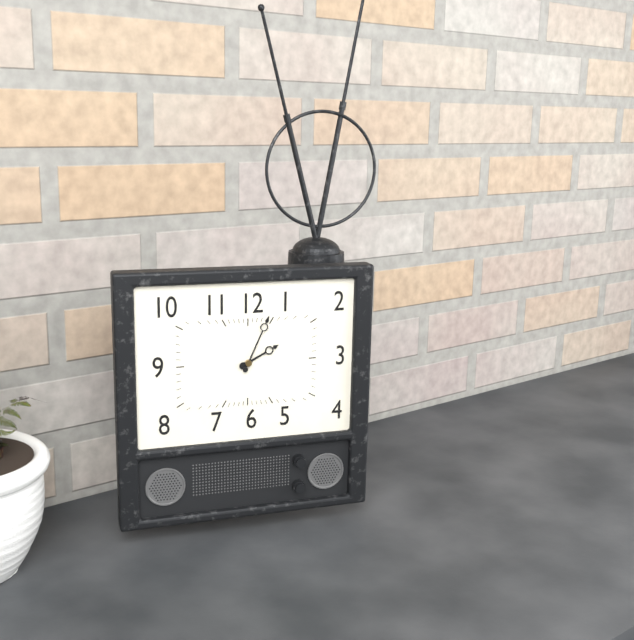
2:04
